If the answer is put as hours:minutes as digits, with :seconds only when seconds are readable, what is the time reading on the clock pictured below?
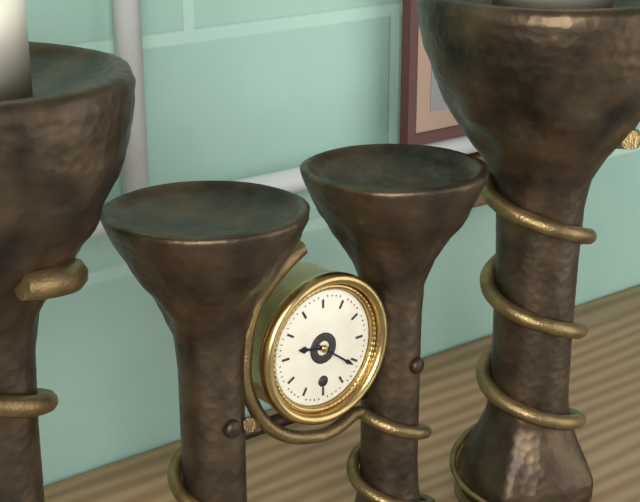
9:21
